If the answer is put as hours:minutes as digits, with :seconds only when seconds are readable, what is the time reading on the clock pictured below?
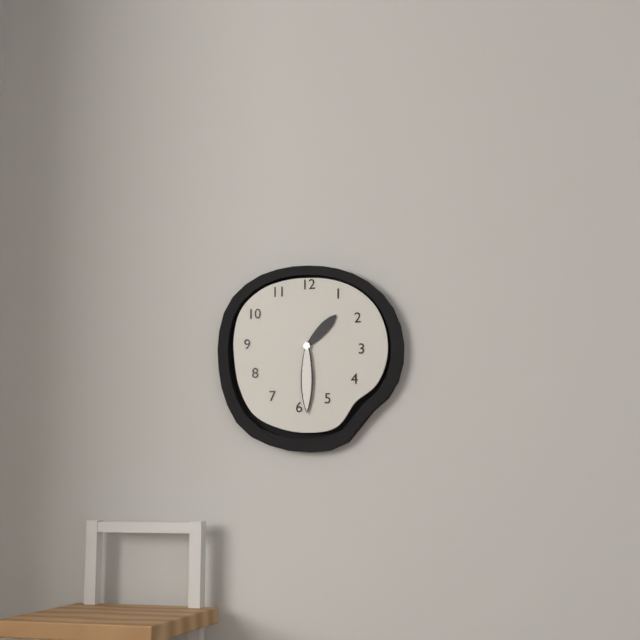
1:30
